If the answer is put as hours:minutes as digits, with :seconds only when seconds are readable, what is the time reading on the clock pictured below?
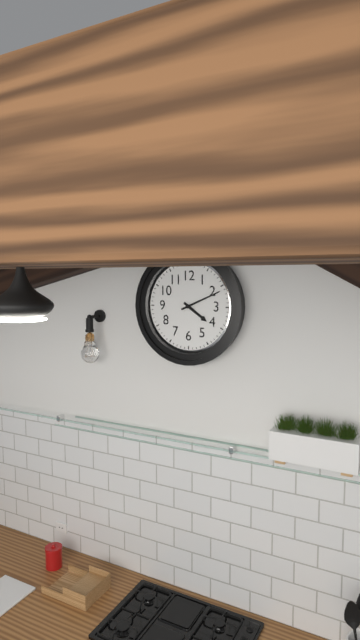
4:11
